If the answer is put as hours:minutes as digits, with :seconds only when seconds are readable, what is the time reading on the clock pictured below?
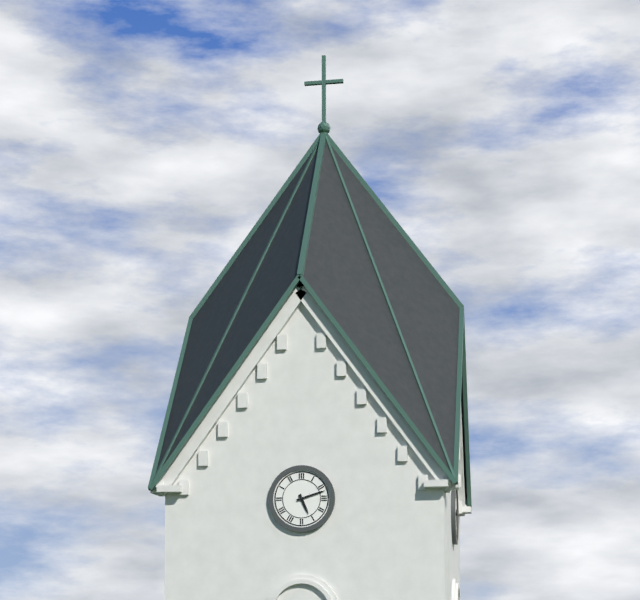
5:12
